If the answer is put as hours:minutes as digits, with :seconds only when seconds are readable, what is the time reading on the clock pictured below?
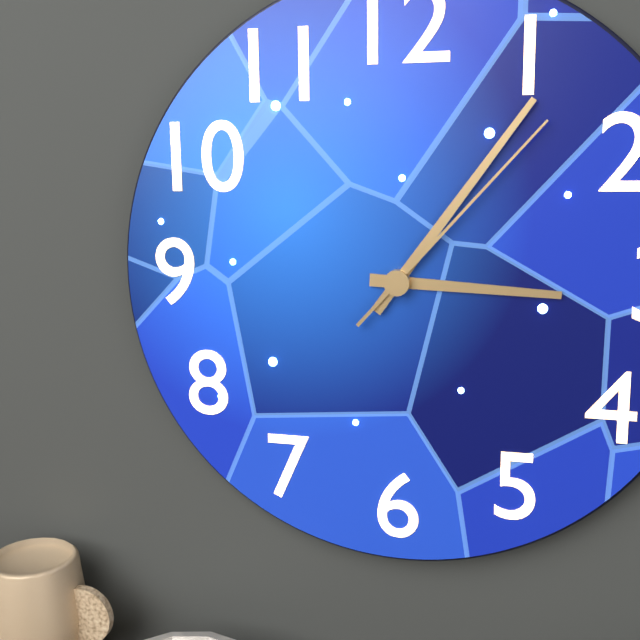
3:06:07
